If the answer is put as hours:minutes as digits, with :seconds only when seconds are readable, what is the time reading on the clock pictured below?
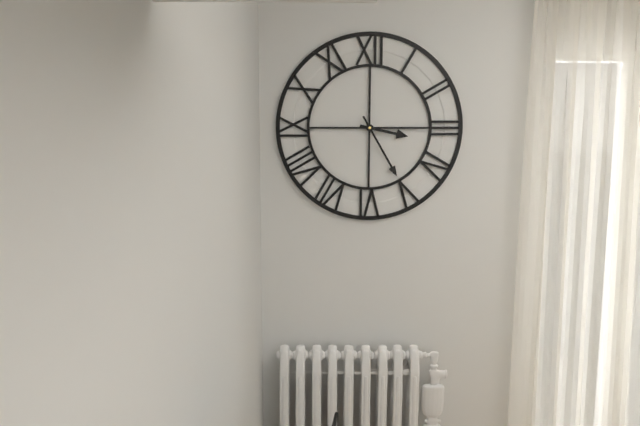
3:25
